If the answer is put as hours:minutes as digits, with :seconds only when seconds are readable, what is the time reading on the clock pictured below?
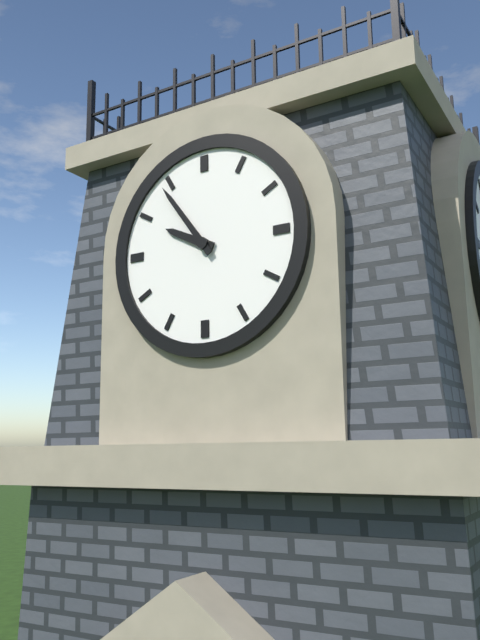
9:54
